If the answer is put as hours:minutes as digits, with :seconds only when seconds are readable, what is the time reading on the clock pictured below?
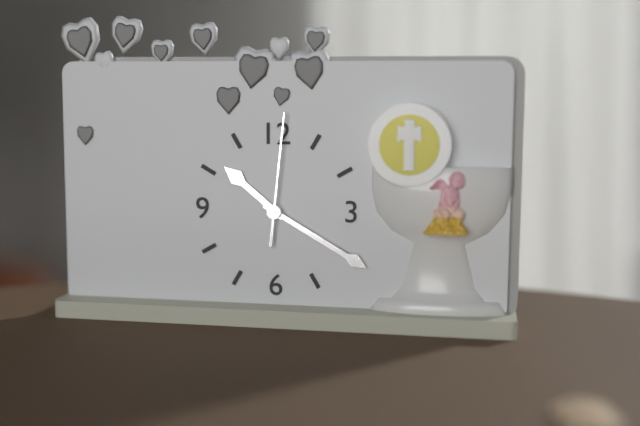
10:20:01
